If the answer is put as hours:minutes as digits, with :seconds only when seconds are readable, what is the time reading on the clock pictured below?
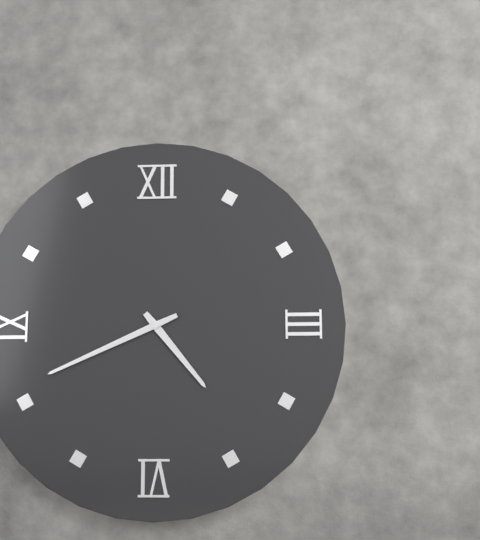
4:41
